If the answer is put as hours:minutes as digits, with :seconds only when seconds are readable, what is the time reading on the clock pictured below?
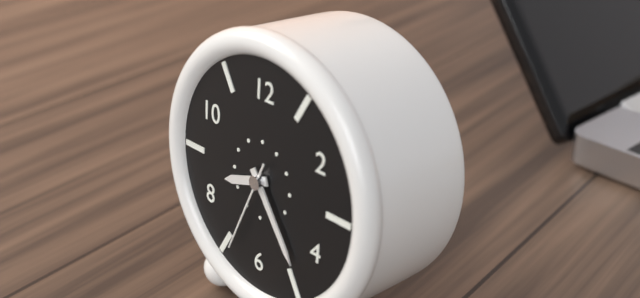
8:24:34
